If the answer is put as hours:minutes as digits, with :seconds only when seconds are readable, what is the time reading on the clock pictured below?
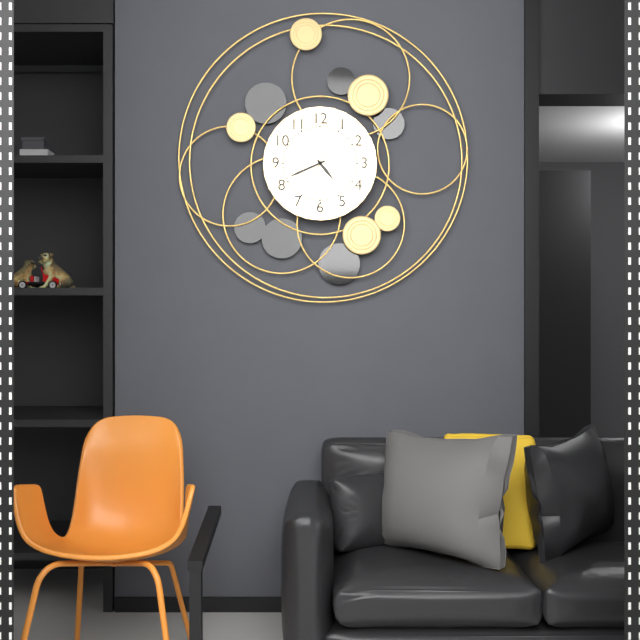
4:41
